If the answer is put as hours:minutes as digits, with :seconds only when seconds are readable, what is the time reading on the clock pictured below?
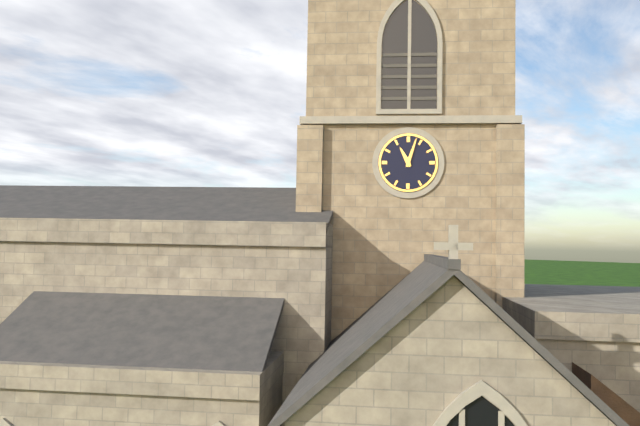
11:03
